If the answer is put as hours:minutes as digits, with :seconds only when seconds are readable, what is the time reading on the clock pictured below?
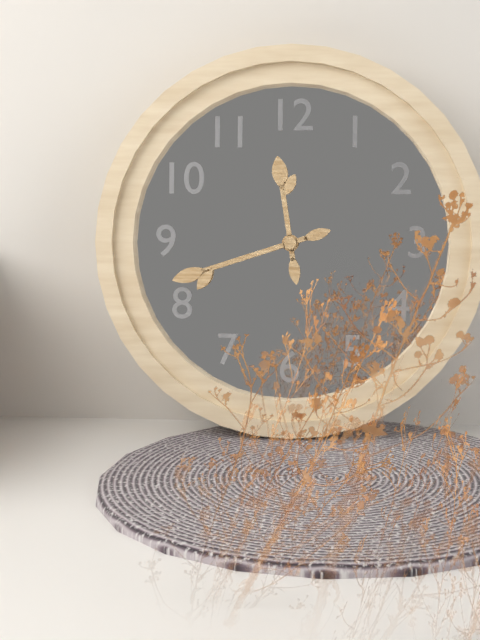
11:42
